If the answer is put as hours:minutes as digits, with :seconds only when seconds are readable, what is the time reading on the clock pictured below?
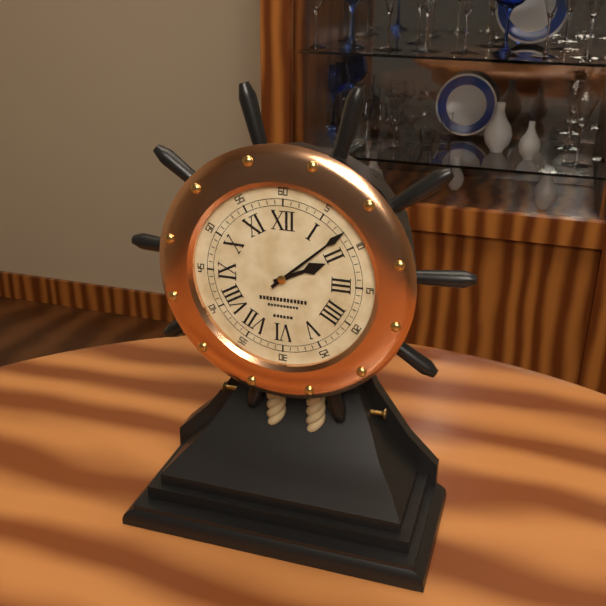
2:08
